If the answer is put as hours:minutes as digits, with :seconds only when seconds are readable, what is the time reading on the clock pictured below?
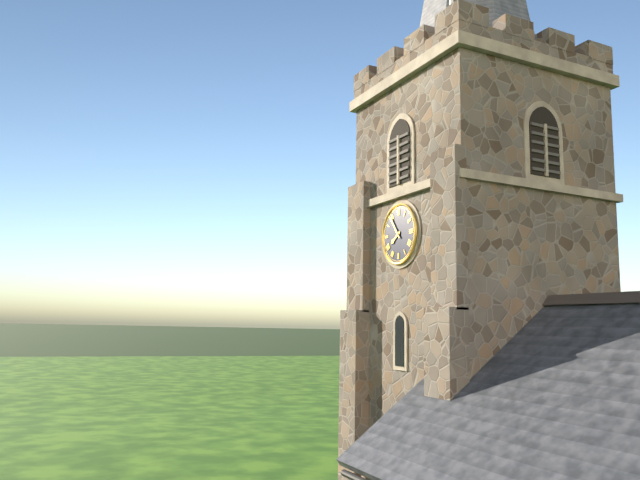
7:54
